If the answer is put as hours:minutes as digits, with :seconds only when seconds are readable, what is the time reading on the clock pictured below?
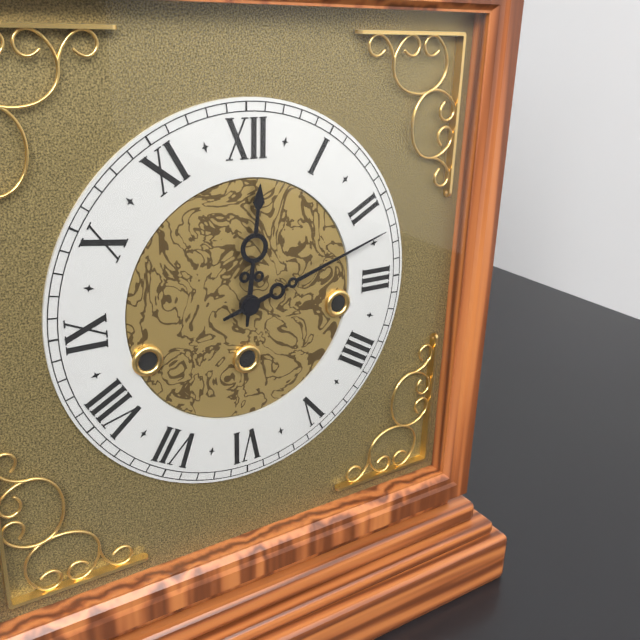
12:12
